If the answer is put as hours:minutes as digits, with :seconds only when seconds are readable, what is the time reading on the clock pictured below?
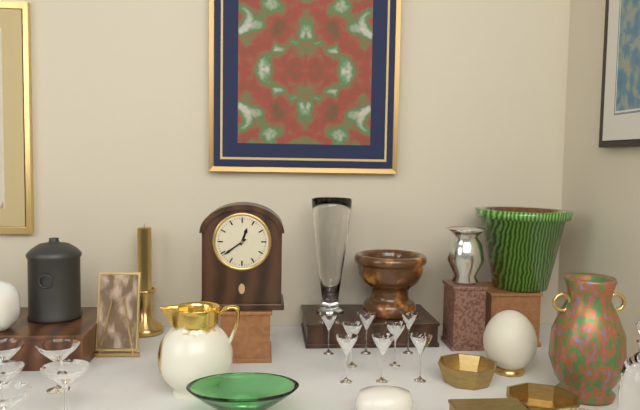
12:39
